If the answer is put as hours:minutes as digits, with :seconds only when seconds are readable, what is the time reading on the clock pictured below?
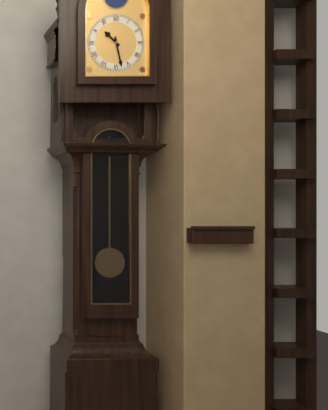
10:28
